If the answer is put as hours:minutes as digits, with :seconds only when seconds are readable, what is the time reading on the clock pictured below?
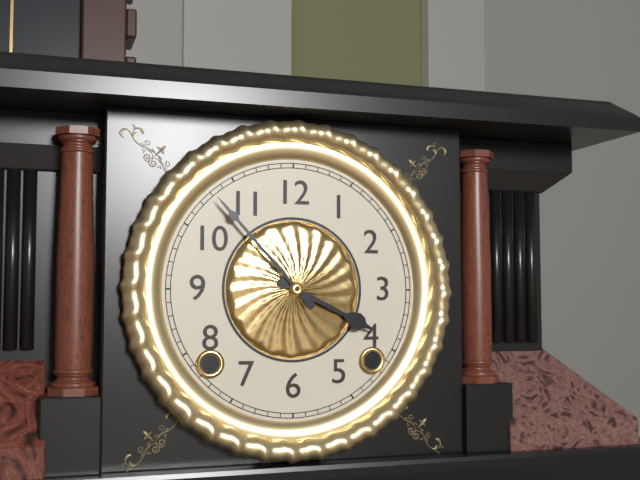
3:53
